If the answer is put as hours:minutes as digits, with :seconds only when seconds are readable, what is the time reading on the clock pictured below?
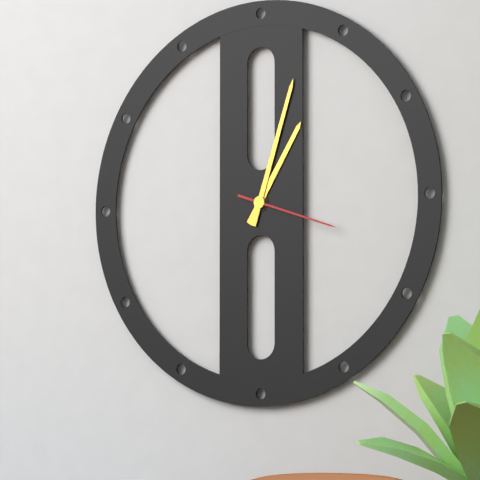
1:03:18
